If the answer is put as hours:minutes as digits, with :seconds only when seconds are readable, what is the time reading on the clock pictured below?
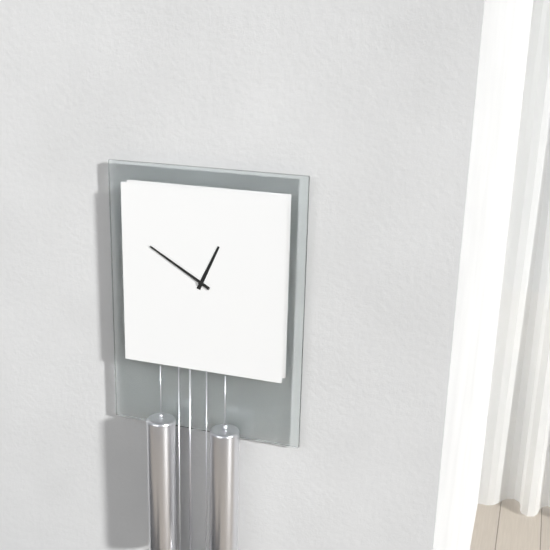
12:50
